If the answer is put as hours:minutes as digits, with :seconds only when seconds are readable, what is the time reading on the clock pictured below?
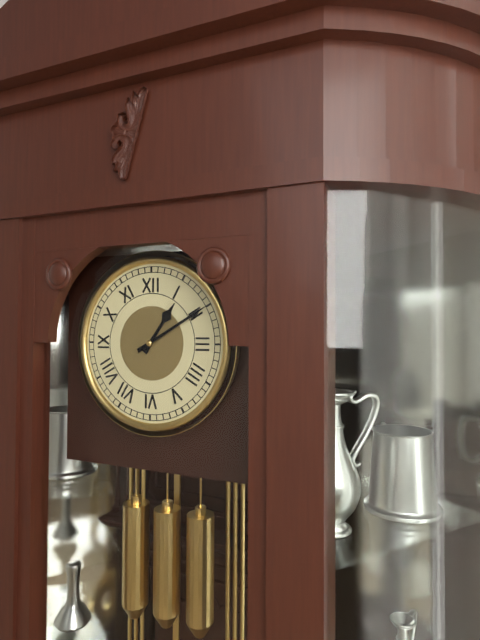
1:10
